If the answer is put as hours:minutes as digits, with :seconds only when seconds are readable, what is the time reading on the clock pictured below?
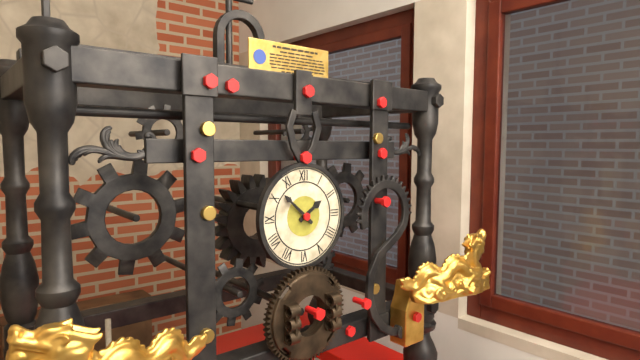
1:52
